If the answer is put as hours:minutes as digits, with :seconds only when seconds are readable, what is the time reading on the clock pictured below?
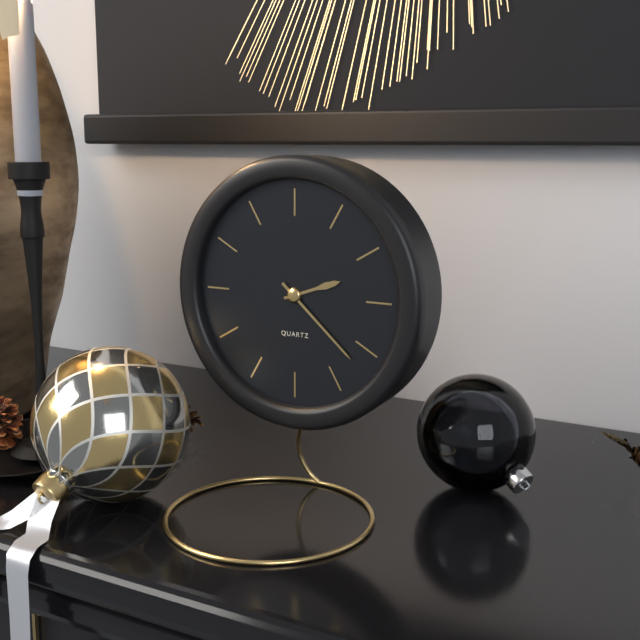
2:22
